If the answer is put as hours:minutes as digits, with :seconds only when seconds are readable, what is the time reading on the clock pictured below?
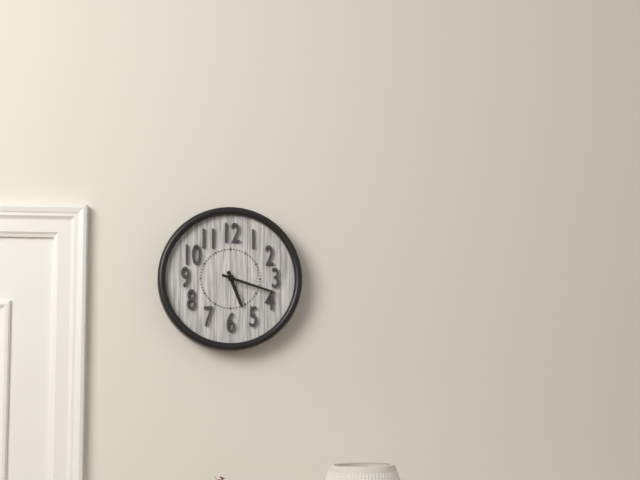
5:18
